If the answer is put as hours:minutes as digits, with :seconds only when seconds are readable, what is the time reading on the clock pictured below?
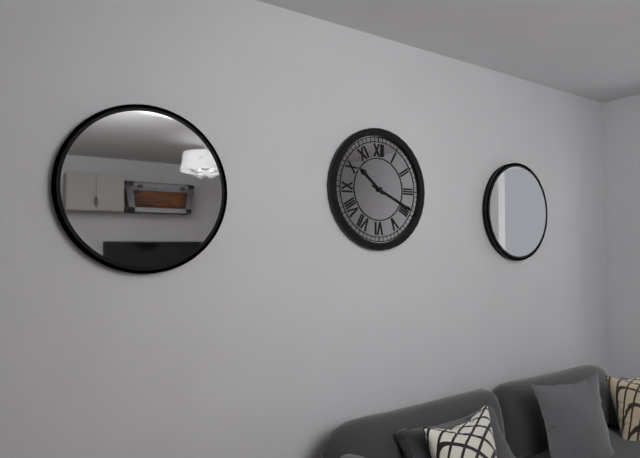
10:19
